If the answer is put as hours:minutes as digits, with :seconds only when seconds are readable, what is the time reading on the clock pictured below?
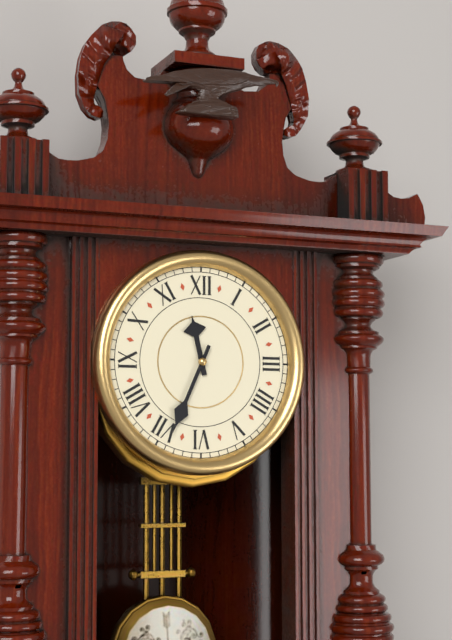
11:34
